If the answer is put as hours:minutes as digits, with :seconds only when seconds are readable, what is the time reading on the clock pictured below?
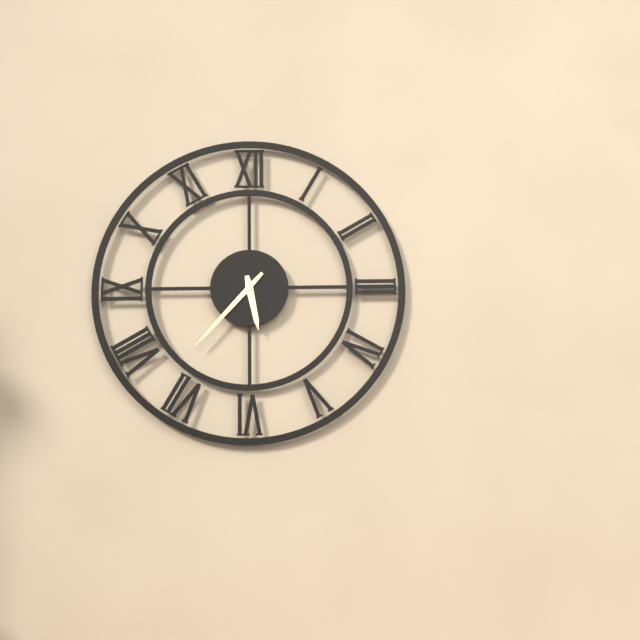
5:37
